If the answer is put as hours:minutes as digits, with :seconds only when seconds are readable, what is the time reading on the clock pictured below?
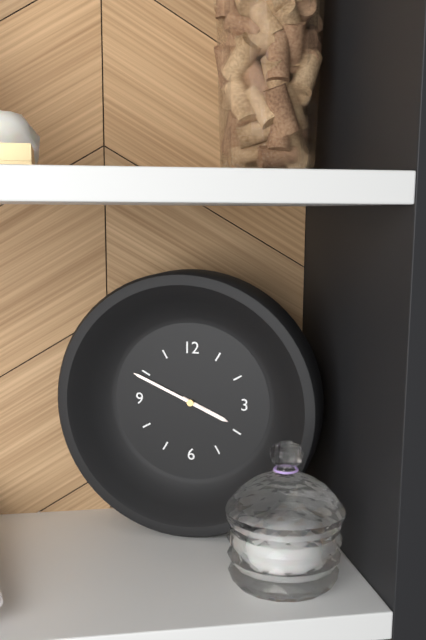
3:49
